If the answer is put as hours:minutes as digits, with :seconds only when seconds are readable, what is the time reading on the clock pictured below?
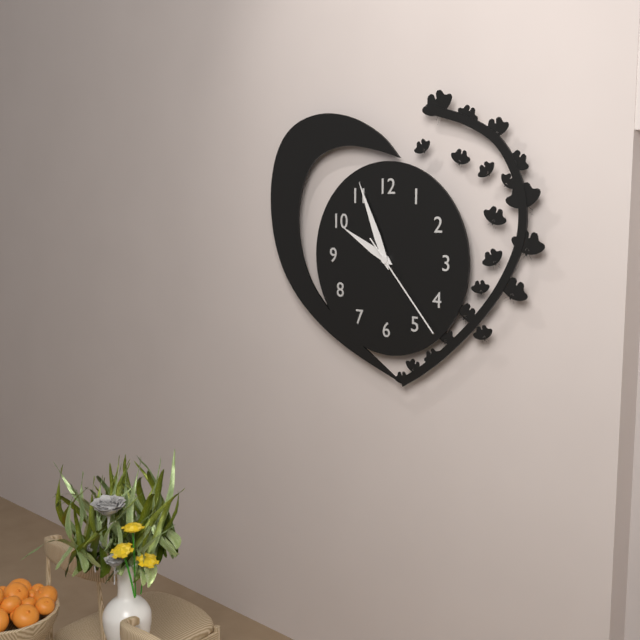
9:56:23
